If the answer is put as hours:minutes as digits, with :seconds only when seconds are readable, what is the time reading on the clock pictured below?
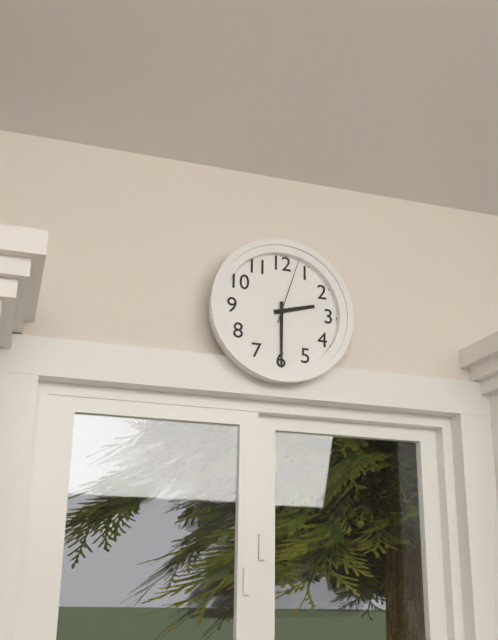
2:30:03
